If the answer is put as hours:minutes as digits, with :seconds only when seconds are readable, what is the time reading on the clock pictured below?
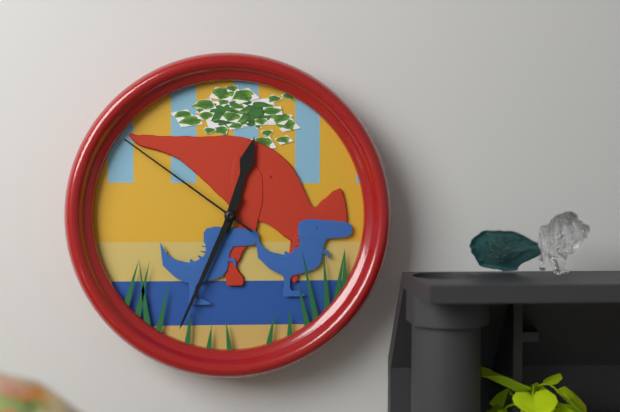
12:34:51
